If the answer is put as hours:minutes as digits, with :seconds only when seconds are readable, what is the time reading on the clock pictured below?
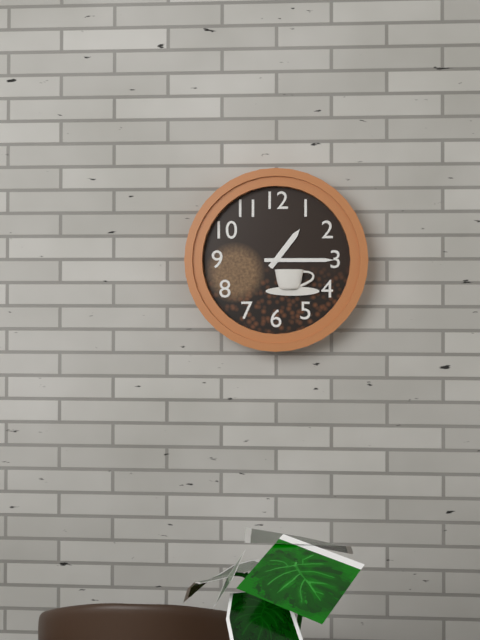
1:15
